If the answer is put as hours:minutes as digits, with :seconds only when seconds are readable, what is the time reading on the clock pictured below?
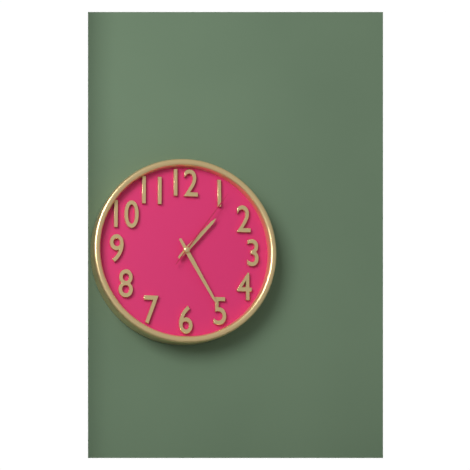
1:25:06
